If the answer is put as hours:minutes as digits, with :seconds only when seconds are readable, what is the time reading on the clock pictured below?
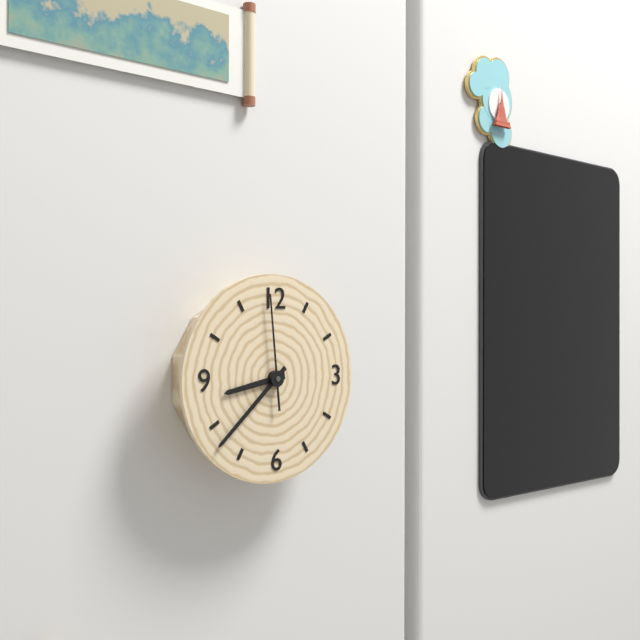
8:38:59
